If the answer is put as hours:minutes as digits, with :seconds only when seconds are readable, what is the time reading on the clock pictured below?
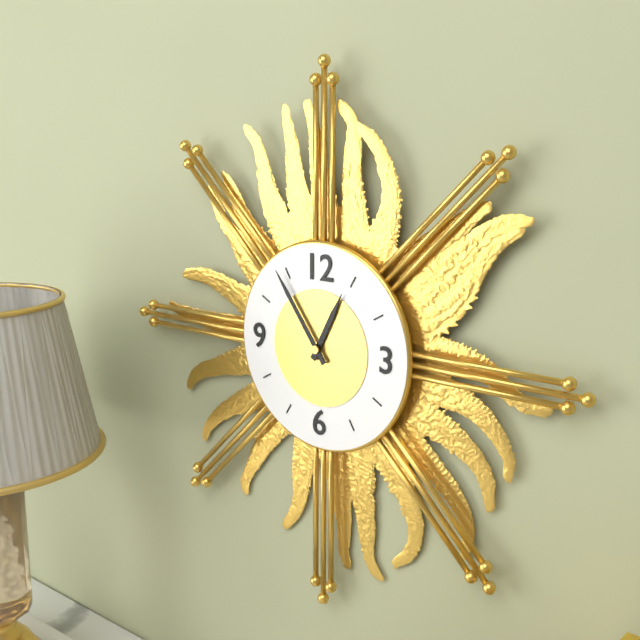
12:54
